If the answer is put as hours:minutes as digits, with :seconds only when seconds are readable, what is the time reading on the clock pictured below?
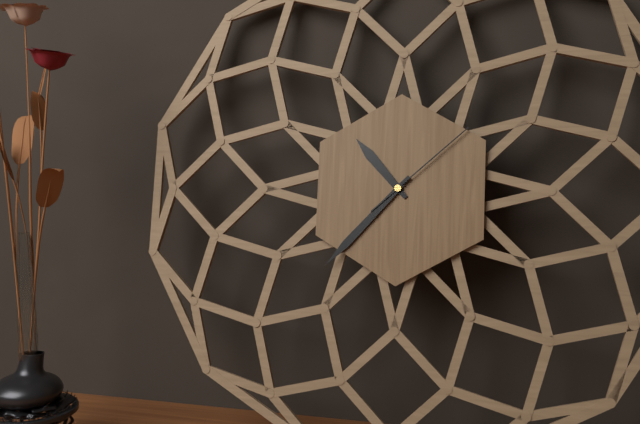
10:37:08
